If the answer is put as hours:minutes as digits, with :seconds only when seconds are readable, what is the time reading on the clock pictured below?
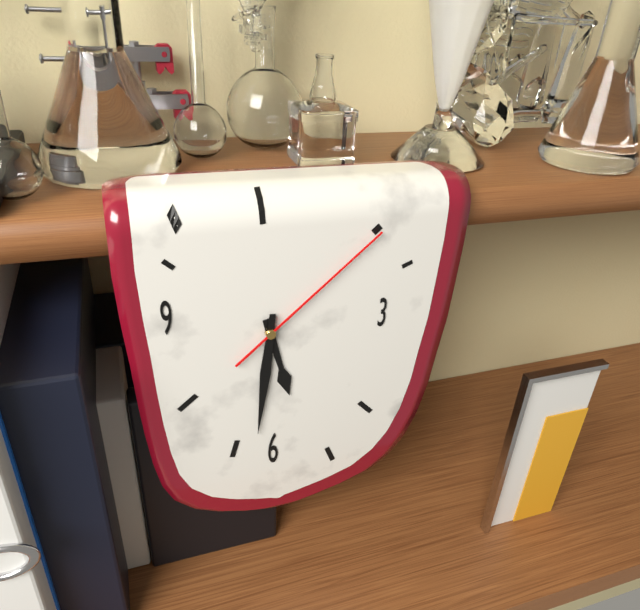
5:31:08
